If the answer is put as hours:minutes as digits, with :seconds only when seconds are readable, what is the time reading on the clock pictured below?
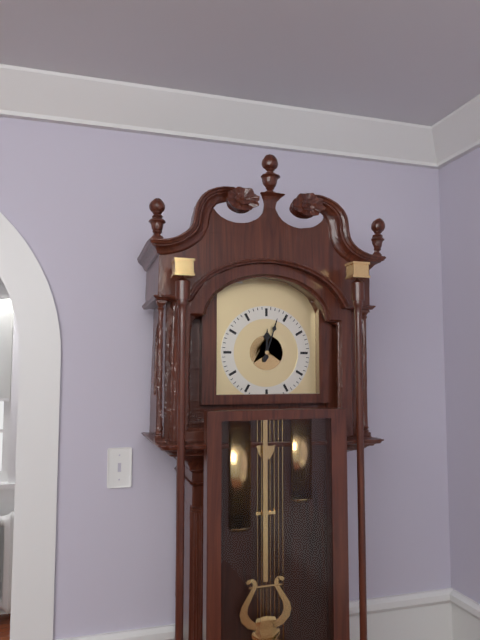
12:03
